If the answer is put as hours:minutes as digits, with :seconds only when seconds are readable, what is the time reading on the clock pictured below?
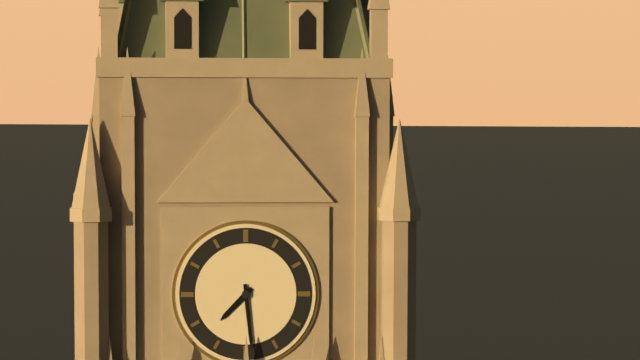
7:29
